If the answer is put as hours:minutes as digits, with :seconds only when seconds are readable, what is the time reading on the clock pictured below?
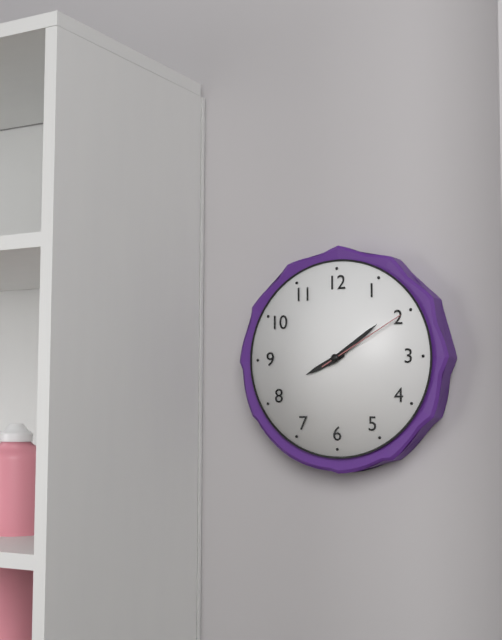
8:09:10
